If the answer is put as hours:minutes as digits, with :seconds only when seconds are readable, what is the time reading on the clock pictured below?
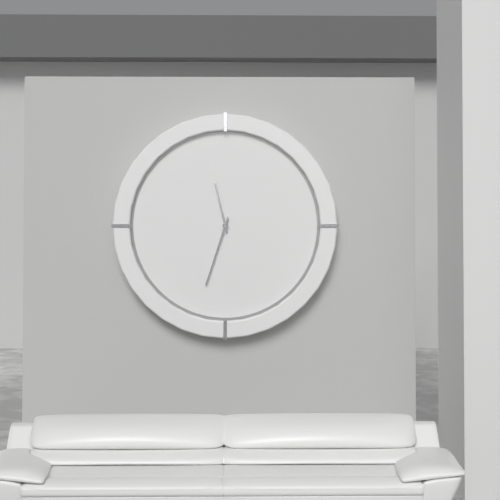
11:33
